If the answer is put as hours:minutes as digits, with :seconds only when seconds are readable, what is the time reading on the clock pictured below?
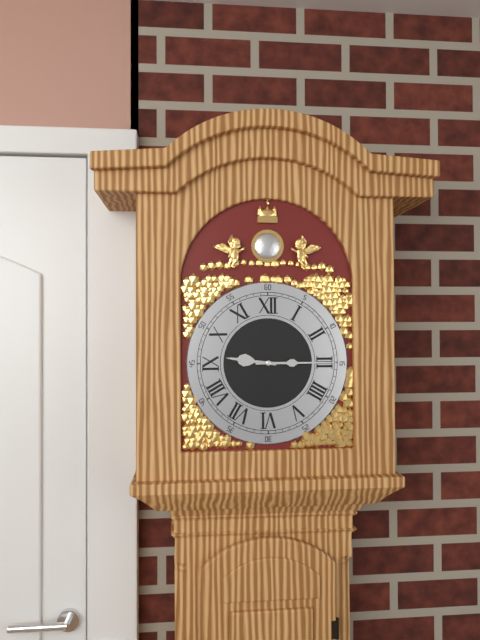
9:15
